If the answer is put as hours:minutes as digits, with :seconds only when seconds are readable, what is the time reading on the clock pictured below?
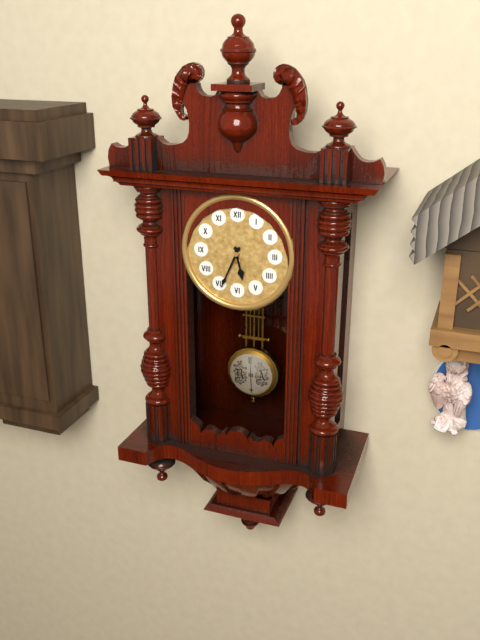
5:34
